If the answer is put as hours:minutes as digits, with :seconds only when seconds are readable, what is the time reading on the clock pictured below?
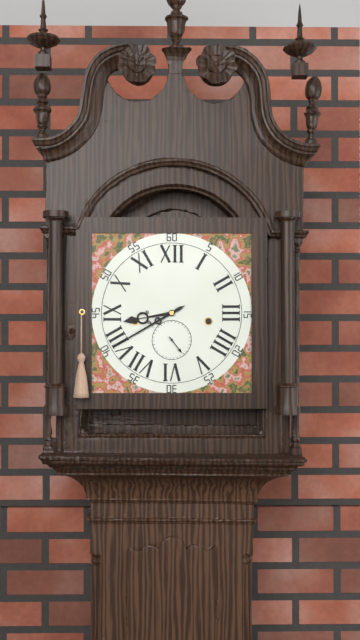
8:40
